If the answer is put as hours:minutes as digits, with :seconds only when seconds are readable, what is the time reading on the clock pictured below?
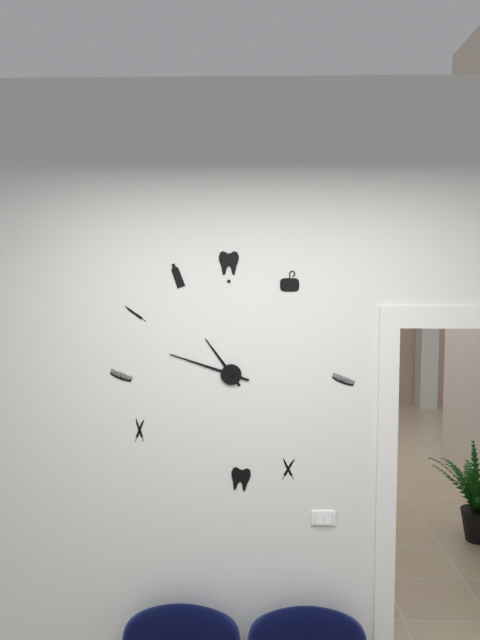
10:48
